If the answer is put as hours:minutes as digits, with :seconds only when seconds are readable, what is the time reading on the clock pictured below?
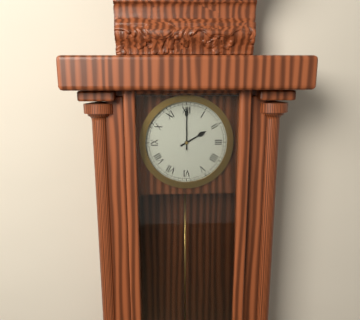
2:00
